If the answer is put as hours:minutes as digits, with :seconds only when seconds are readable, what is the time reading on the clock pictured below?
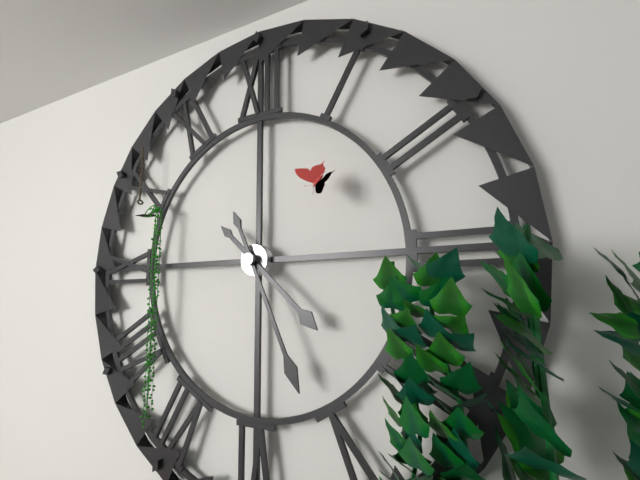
4:26
